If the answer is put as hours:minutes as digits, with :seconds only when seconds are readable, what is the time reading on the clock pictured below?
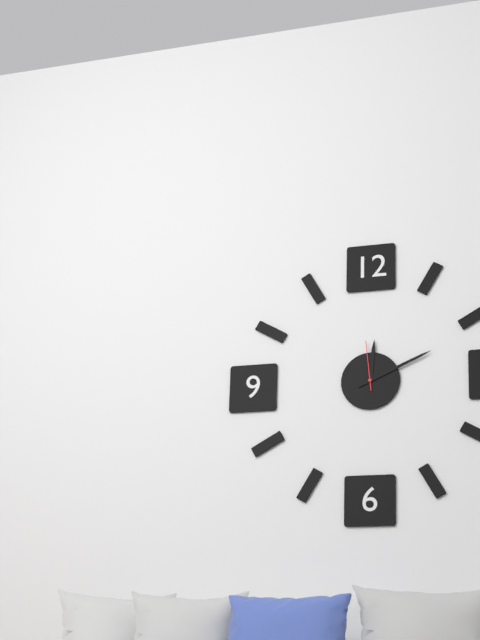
12:11:59
